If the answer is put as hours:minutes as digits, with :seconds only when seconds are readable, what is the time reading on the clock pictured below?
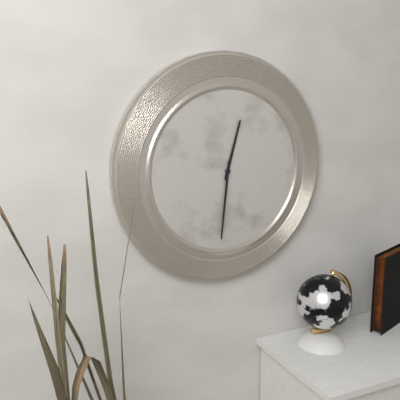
12:31
